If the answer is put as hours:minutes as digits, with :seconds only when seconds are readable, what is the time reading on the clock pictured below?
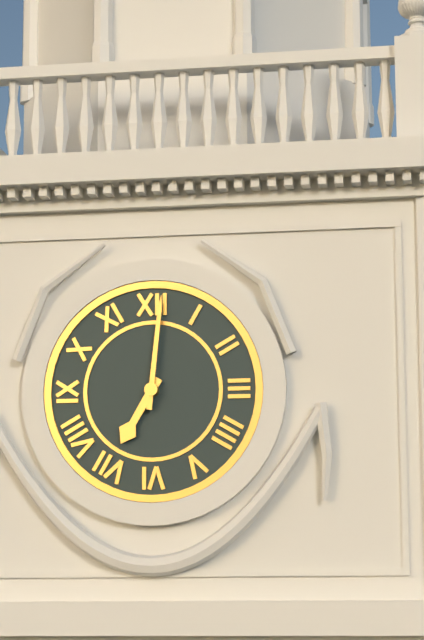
7:01
